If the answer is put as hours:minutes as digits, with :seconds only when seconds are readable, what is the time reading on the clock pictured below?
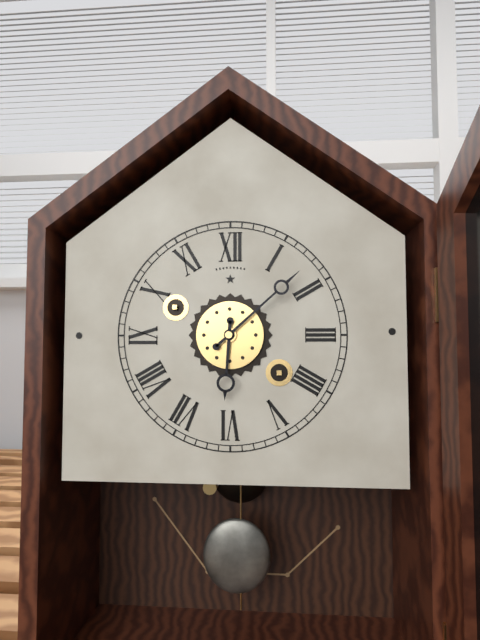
6:08
